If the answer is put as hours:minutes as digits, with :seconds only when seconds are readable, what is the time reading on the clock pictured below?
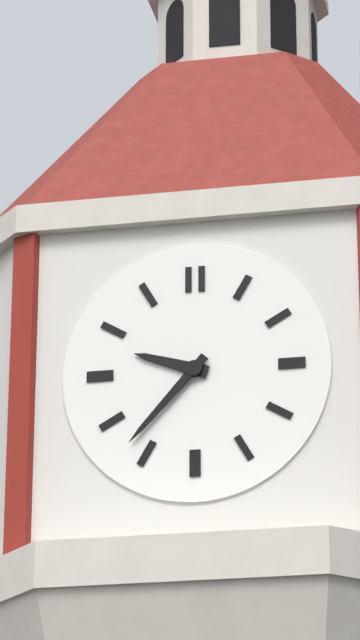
9:37
